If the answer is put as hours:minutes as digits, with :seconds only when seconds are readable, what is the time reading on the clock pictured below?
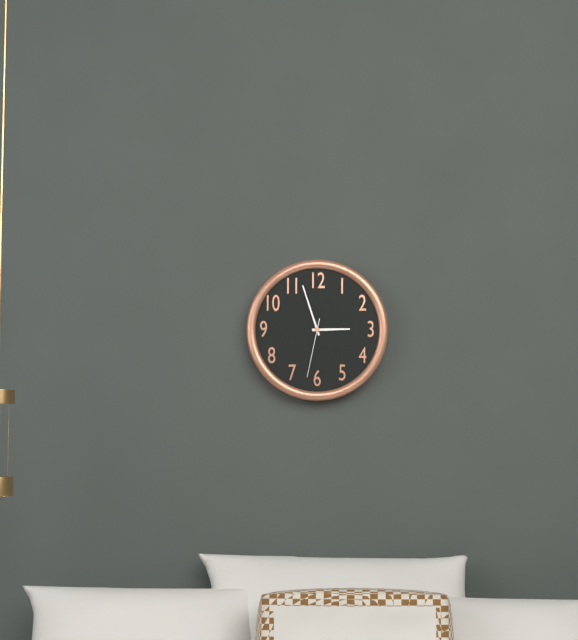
2:57:32
